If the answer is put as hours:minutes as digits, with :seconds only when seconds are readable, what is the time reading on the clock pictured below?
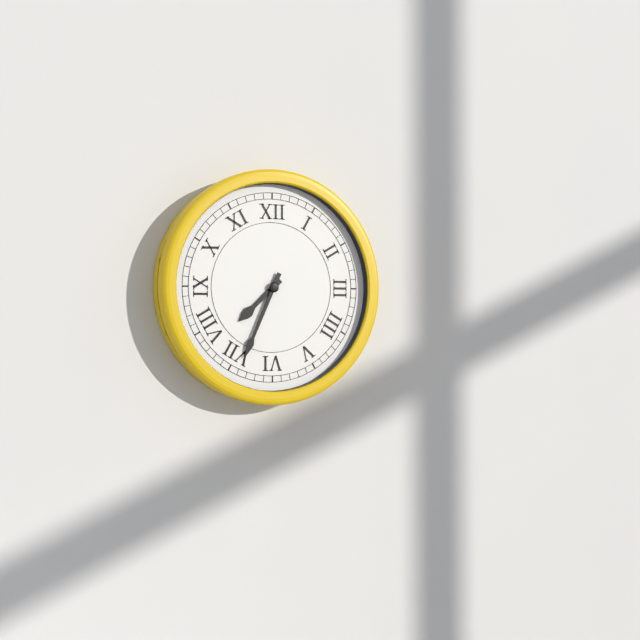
7:34
